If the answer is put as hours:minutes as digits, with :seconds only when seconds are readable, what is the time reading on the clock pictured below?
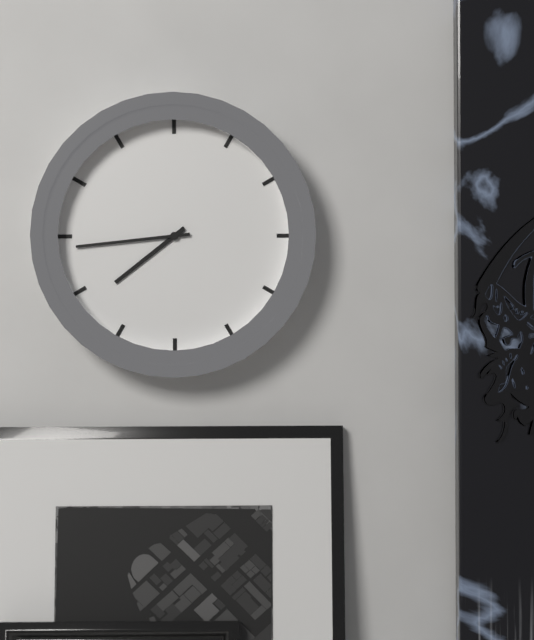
7:44
